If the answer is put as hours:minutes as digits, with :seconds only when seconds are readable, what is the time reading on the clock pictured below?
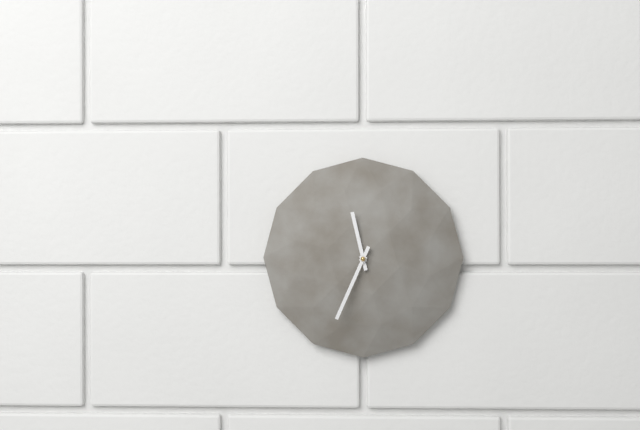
11:34
